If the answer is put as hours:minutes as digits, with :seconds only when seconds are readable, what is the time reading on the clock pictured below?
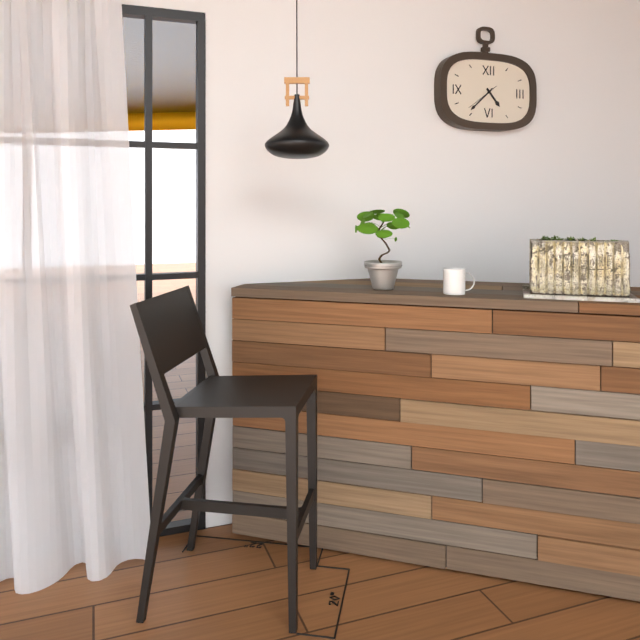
4:38
